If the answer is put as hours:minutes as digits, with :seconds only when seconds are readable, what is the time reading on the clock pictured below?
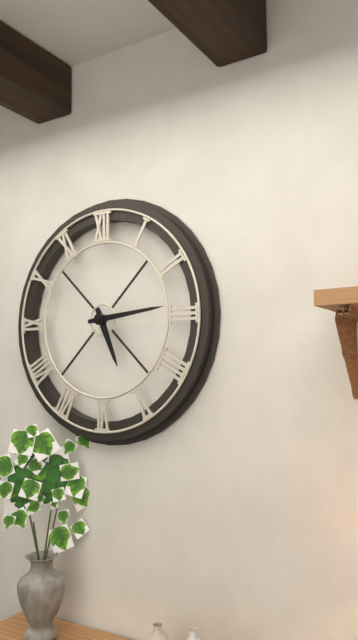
5:14
